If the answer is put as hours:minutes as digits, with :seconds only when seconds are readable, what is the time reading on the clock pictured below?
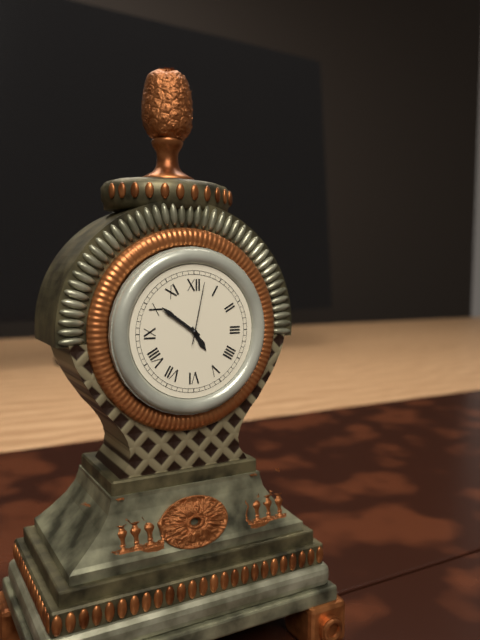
4:51:02
